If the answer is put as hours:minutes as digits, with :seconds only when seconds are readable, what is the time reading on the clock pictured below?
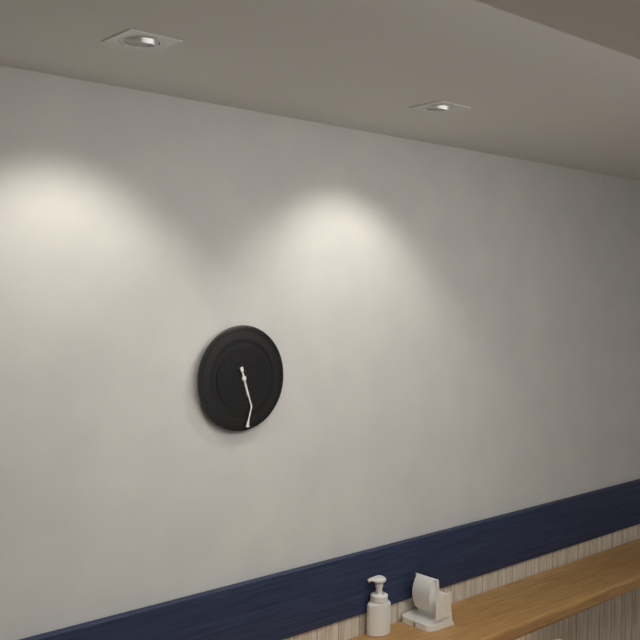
5:27
